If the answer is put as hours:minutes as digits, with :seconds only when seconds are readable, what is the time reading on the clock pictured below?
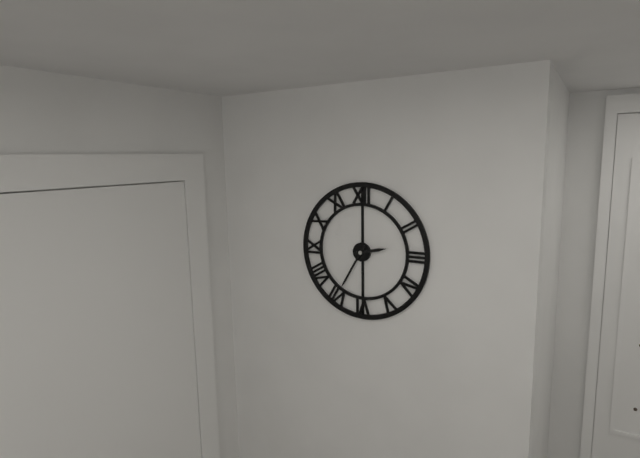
2:35
